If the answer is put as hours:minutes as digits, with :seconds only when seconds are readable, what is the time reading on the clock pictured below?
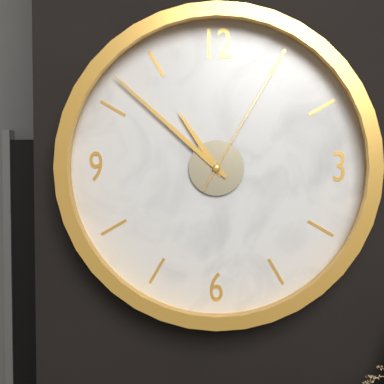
10:52:05
